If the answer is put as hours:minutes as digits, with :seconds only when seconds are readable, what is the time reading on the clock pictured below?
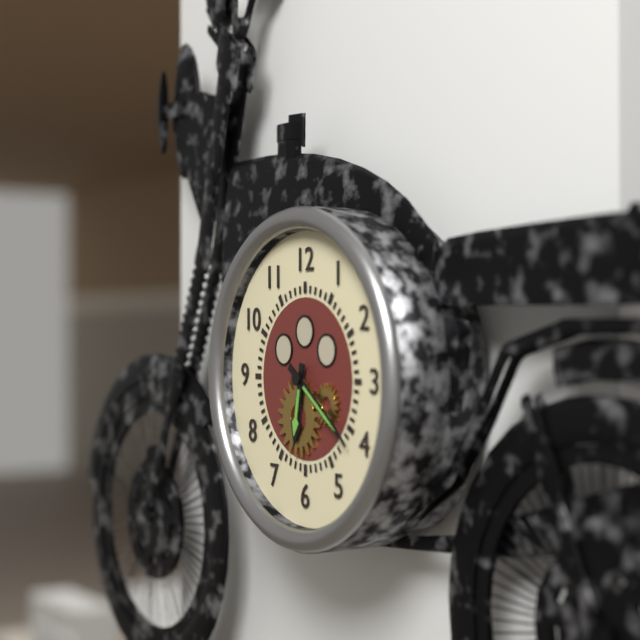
6:21
